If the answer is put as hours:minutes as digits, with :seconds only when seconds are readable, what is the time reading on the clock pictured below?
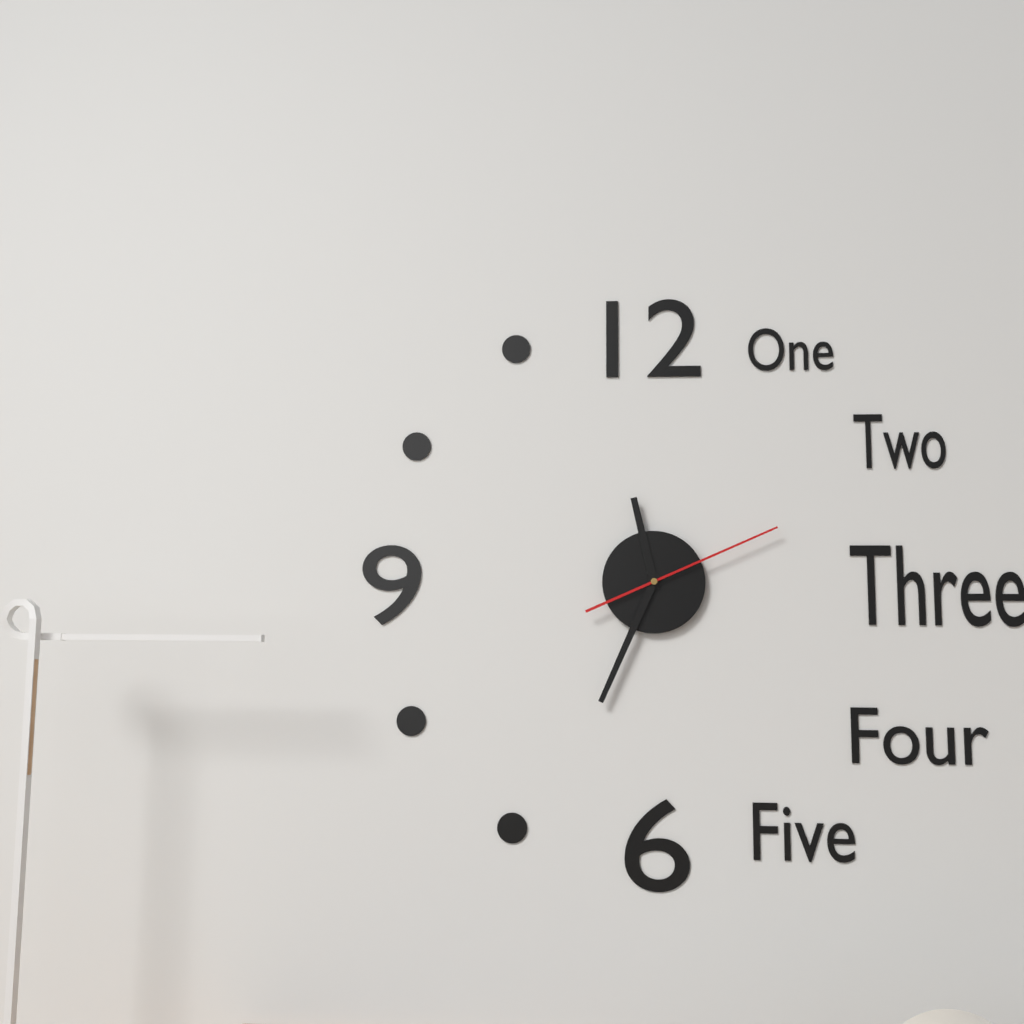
11:34:11
